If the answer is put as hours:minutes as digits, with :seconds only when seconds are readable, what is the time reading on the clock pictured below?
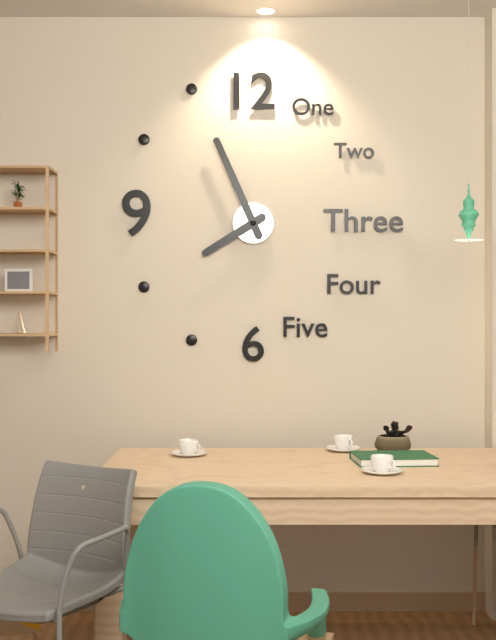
7:56
